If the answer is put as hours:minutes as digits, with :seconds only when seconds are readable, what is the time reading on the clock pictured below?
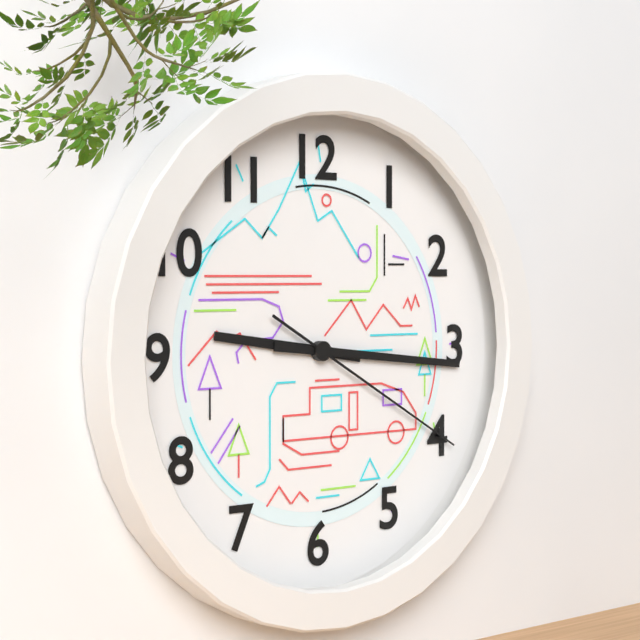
9:16:20
